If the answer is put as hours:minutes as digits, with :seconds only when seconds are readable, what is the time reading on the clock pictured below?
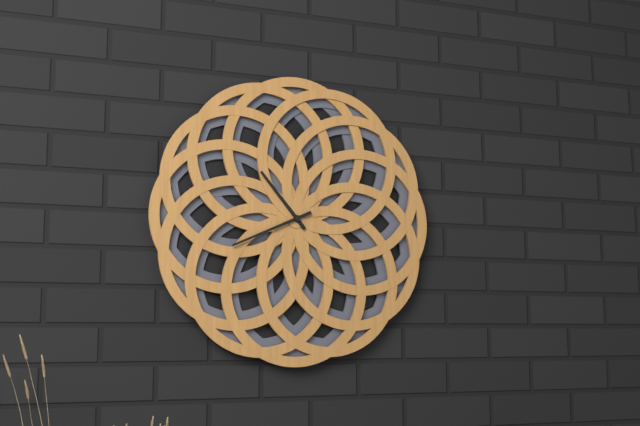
10:41
